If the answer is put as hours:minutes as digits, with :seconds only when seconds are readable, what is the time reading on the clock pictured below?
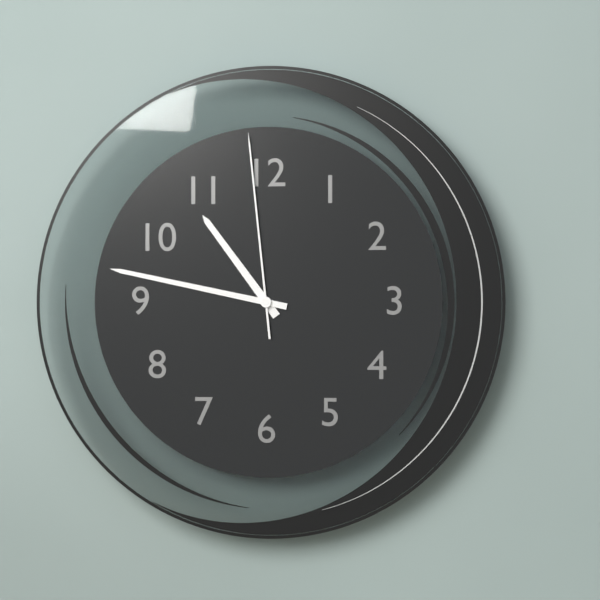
10:47:59
